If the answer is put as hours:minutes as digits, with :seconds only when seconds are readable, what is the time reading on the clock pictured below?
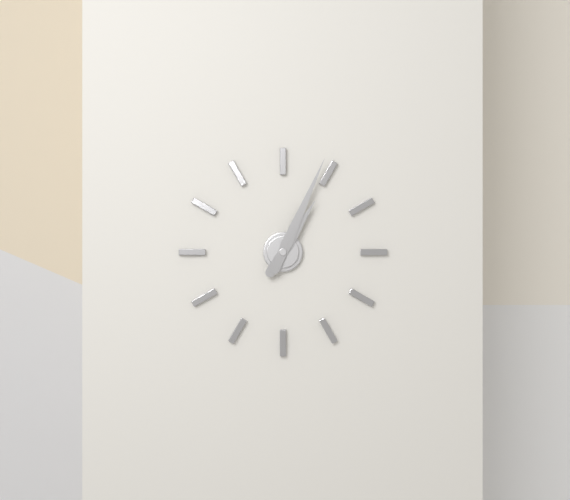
1:04
